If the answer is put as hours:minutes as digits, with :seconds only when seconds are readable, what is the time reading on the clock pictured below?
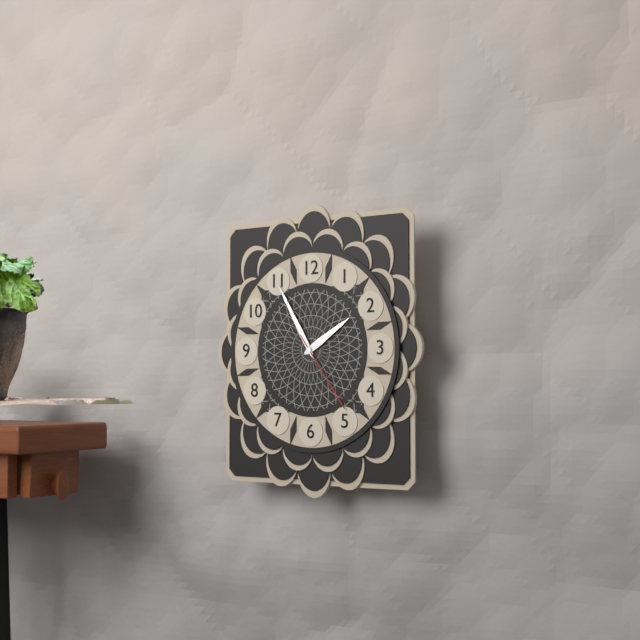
1:55:24
